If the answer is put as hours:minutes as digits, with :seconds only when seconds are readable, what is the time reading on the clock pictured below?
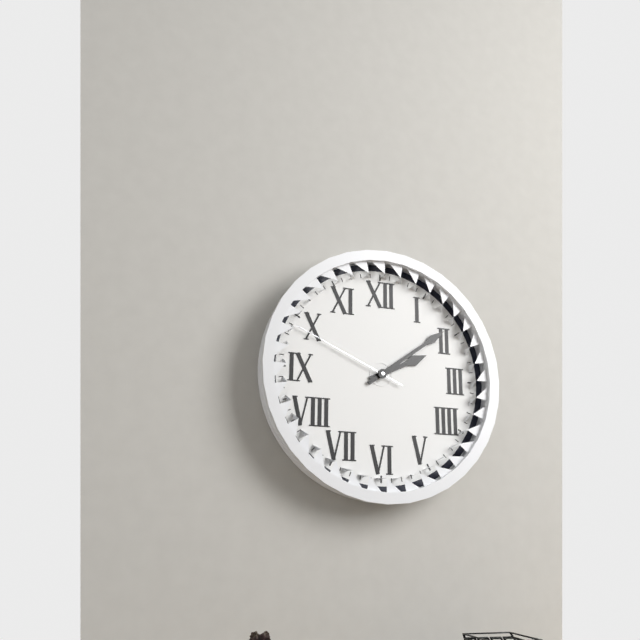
2:09:49
